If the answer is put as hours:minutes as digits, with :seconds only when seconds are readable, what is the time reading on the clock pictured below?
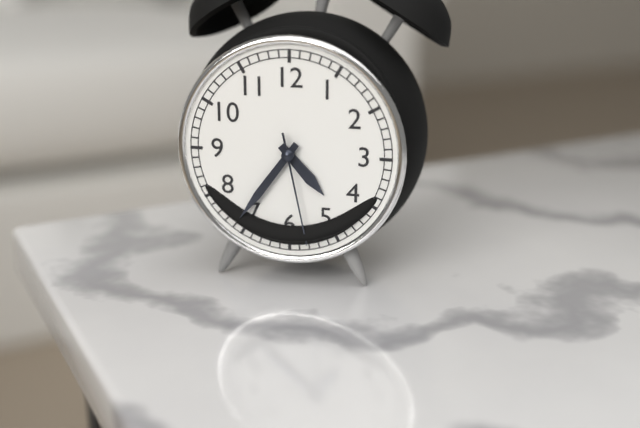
4:36:28
